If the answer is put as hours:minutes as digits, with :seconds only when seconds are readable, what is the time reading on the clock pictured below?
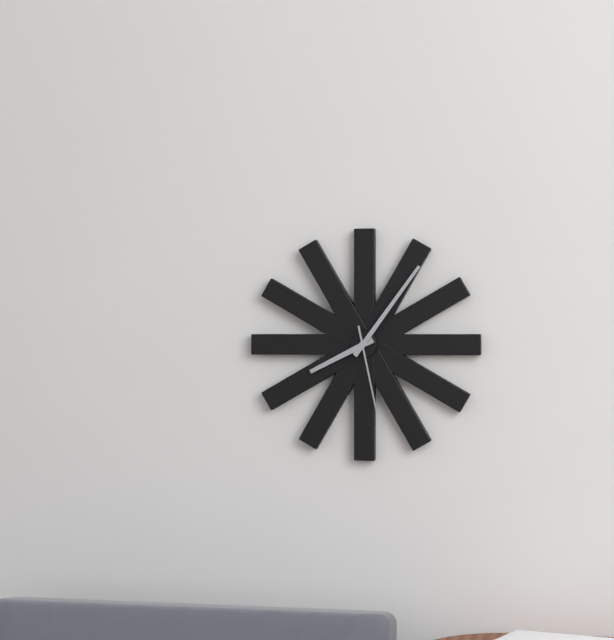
8:06:28
